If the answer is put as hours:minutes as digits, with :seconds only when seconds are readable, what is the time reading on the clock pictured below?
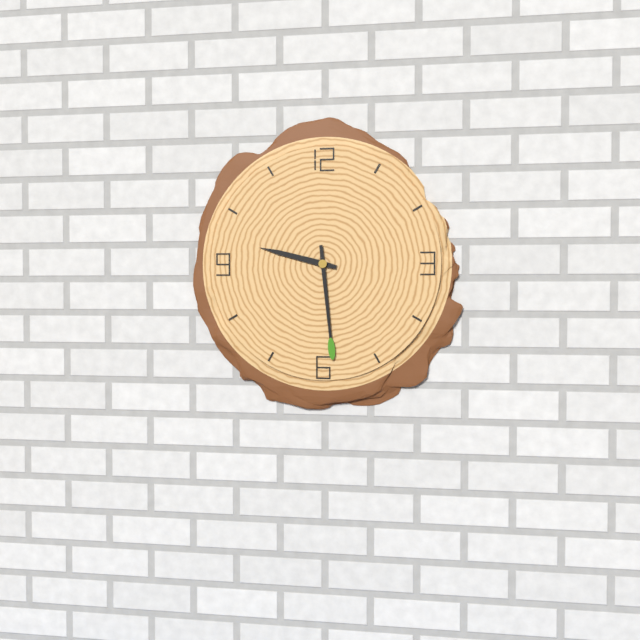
9:29
